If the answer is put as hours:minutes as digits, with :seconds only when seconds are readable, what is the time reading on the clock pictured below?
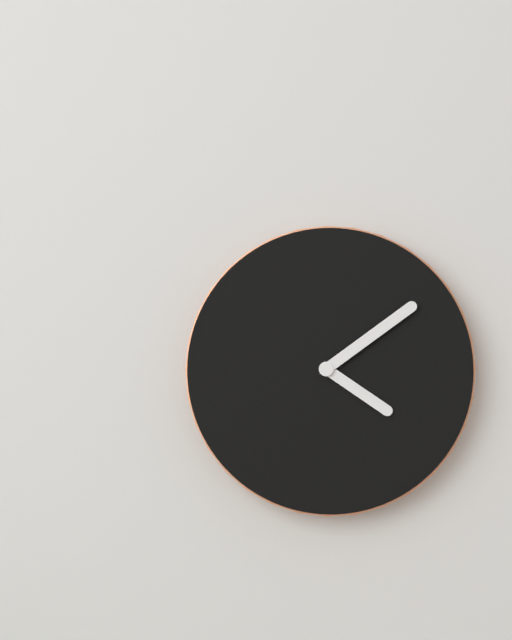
4:09
